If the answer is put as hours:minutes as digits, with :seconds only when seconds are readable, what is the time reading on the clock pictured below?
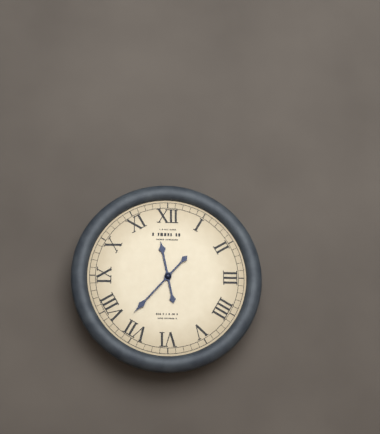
11:37
